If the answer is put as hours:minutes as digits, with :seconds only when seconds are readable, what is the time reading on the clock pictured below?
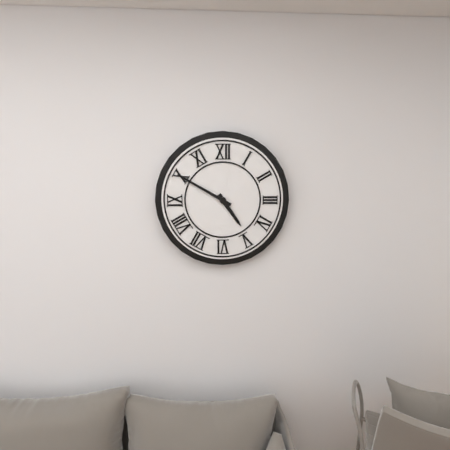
4:50
